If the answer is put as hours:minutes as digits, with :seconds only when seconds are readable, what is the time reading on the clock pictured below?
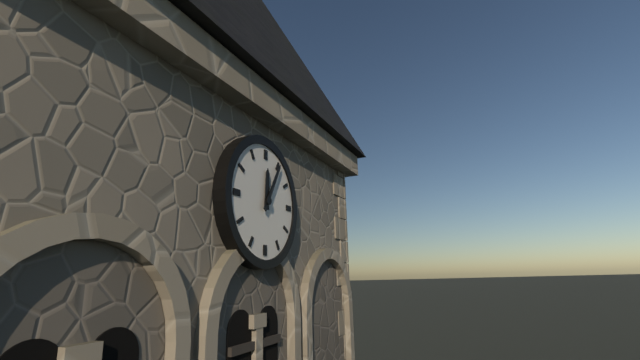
12:05
